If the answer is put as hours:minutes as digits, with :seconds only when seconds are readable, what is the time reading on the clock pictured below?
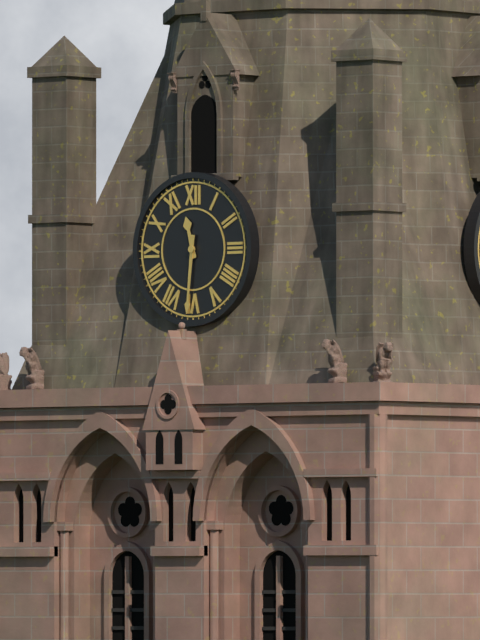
11:31
